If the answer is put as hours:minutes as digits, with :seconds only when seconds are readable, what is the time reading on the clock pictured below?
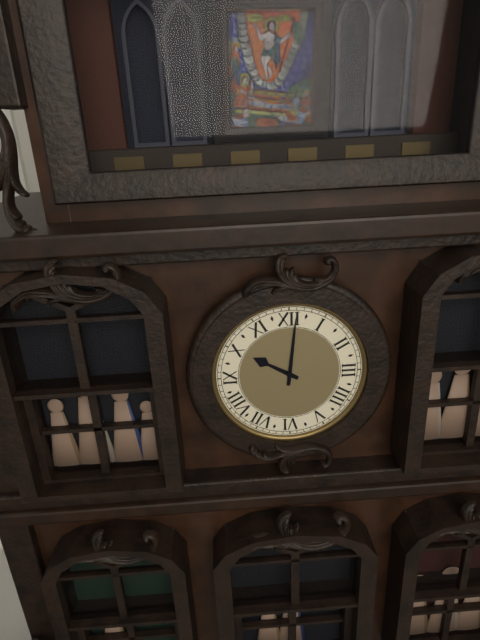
10:01
